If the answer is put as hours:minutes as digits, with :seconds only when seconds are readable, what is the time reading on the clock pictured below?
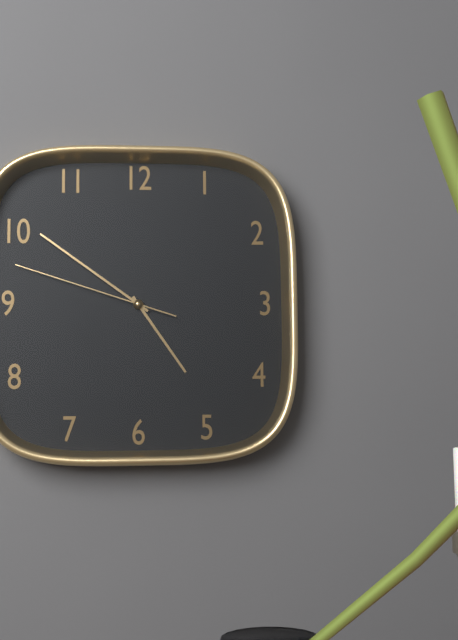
4:51:48
